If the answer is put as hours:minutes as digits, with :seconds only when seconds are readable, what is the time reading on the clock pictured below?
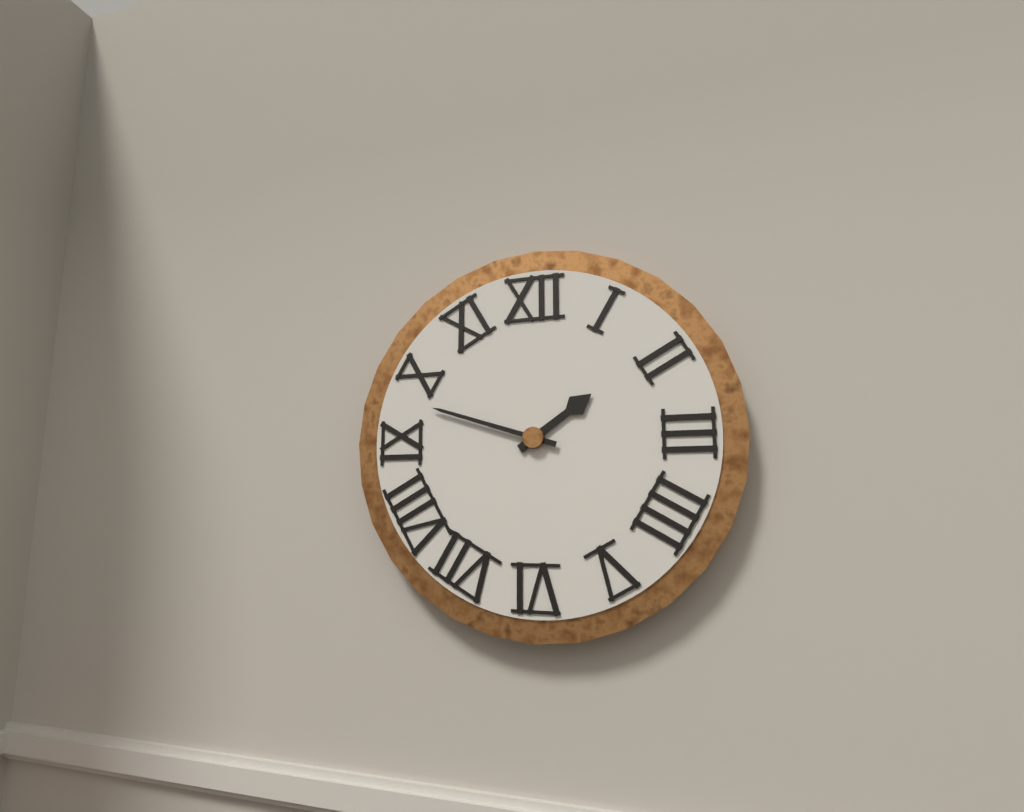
1:48
